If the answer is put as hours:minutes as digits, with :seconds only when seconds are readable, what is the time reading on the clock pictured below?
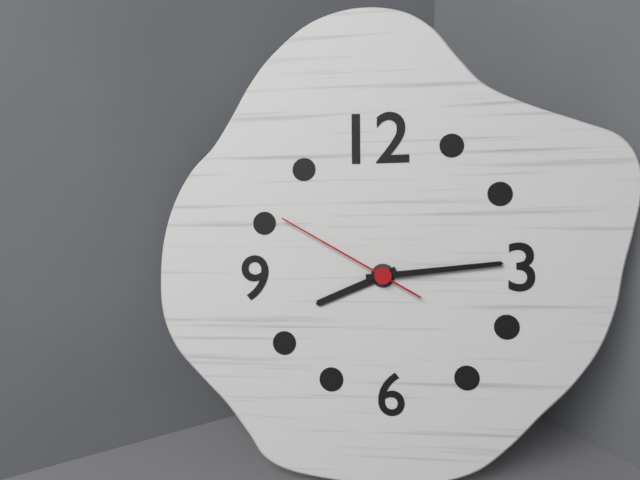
8:14:50
